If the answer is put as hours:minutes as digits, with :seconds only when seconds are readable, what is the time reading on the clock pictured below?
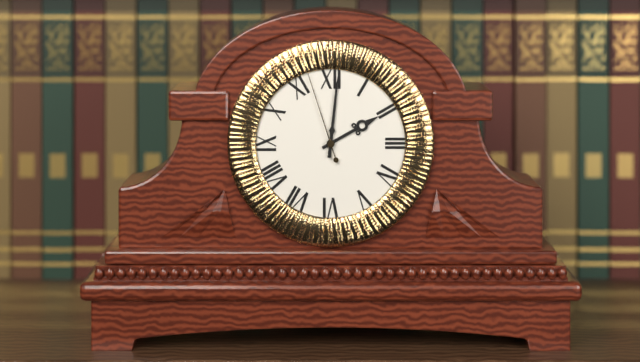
2:01:57
